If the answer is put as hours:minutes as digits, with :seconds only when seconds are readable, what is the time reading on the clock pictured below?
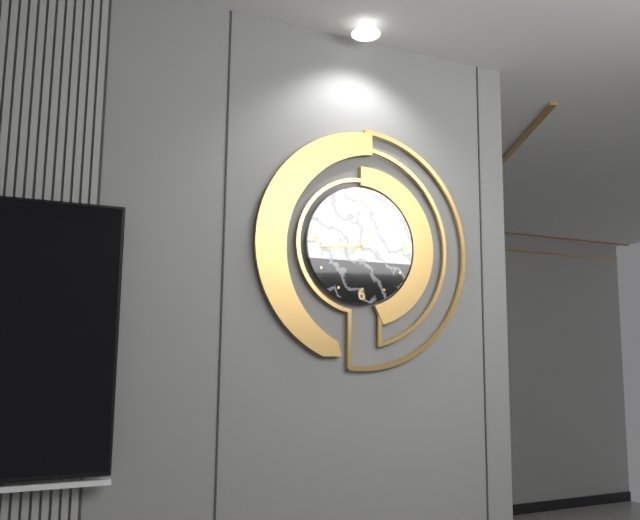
8:44:08
